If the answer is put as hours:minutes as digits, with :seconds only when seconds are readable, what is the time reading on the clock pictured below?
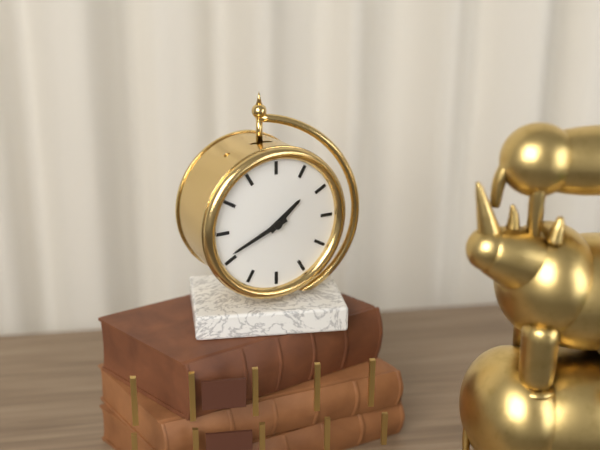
1:41
